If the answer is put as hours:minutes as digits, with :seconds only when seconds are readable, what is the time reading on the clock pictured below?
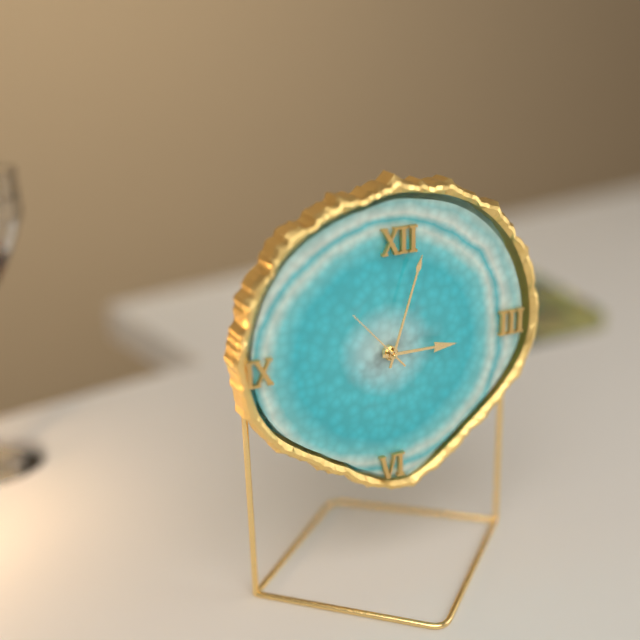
3:03:53
